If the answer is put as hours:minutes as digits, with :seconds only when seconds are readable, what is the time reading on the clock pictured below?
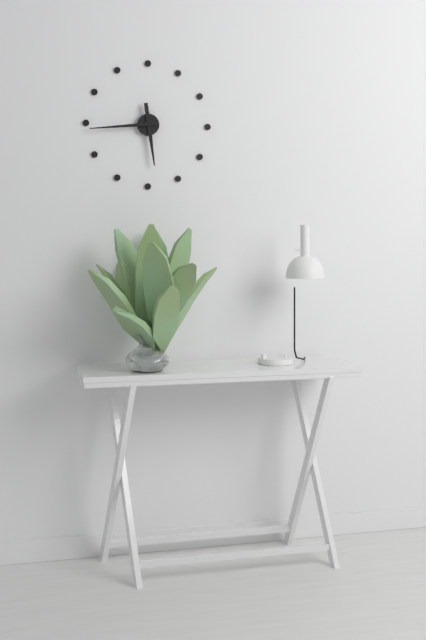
5:44
